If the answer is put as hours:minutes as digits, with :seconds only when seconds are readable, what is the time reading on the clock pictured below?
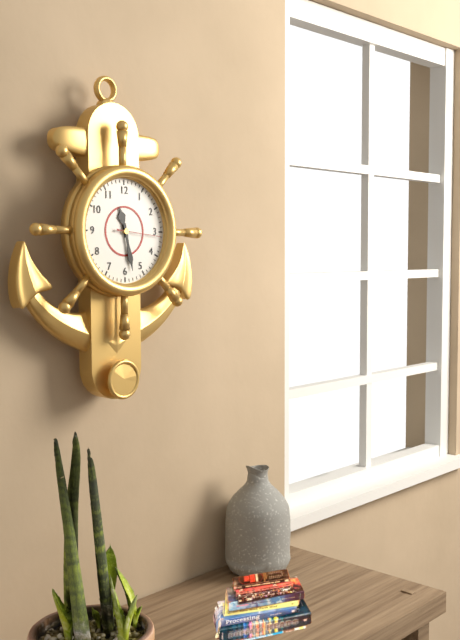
11:28
